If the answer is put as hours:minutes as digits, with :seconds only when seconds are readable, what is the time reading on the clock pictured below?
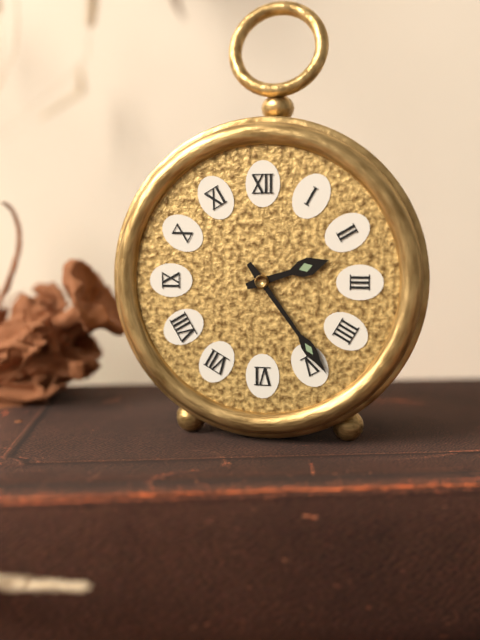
2:24
